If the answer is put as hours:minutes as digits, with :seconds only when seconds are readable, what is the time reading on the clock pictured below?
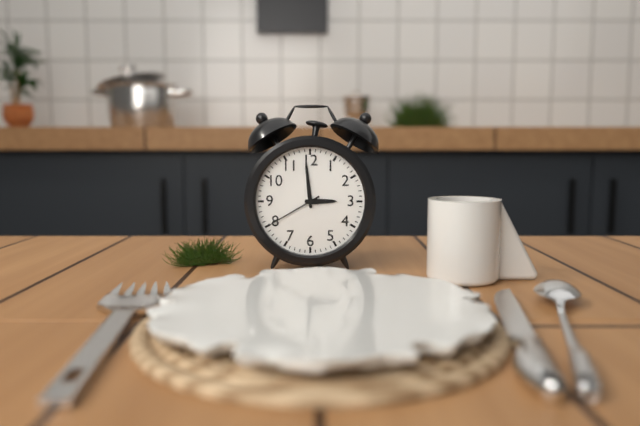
2:59:40
